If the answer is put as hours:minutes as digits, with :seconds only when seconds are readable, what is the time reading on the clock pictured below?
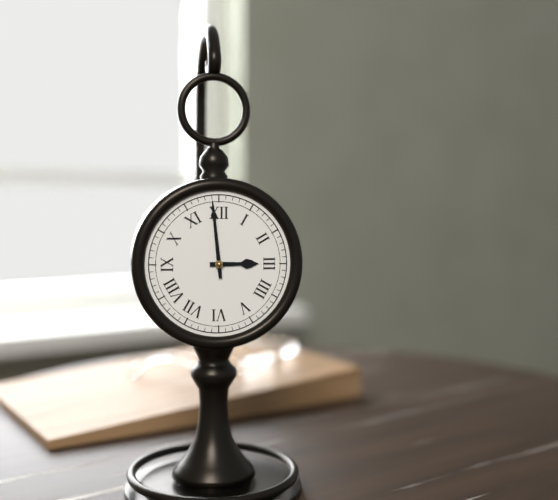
2:59
